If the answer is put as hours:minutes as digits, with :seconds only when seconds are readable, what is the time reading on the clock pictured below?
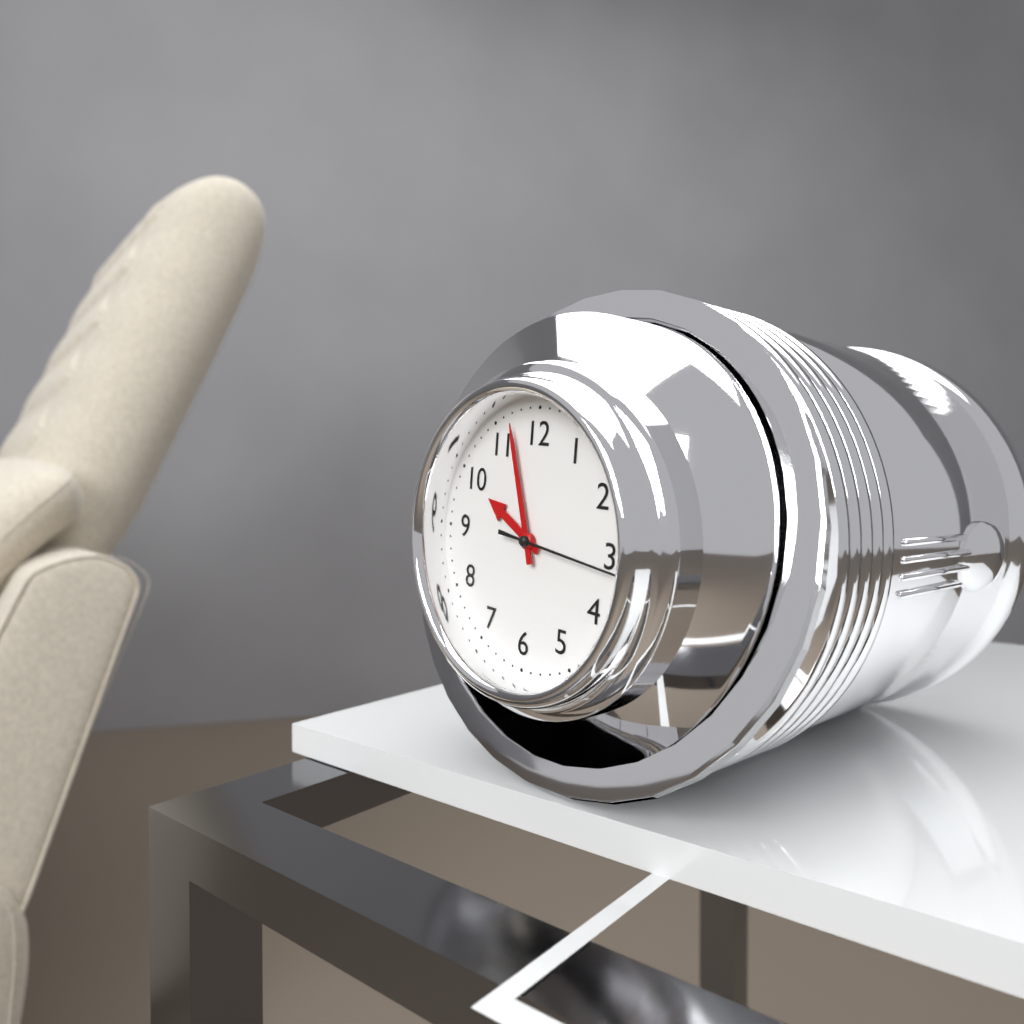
9:57:16
